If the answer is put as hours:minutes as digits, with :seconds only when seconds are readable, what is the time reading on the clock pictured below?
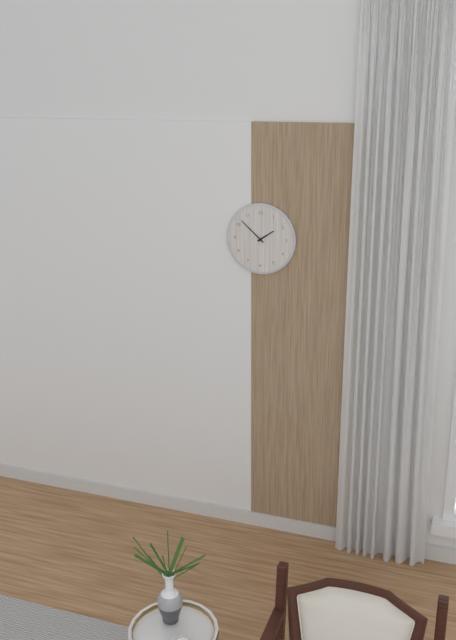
1:52
